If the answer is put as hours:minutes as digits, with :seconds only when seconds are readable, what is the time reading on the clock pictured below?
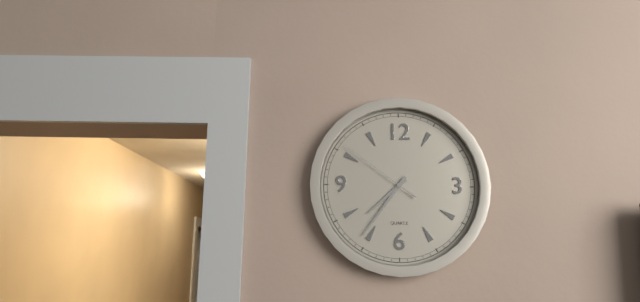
7:36:51
